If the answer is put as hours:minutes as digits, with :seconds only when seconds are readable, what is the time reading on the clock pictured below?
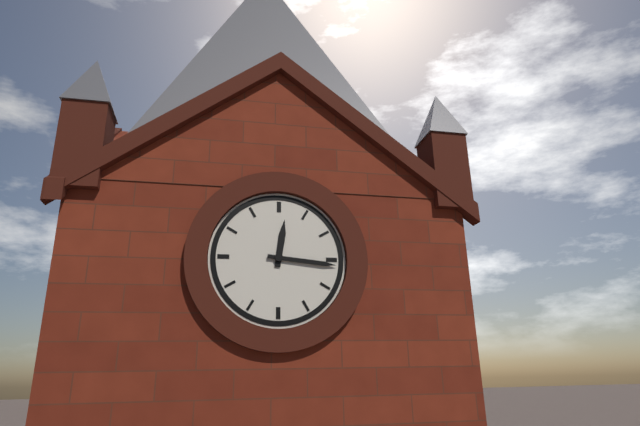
12:16
